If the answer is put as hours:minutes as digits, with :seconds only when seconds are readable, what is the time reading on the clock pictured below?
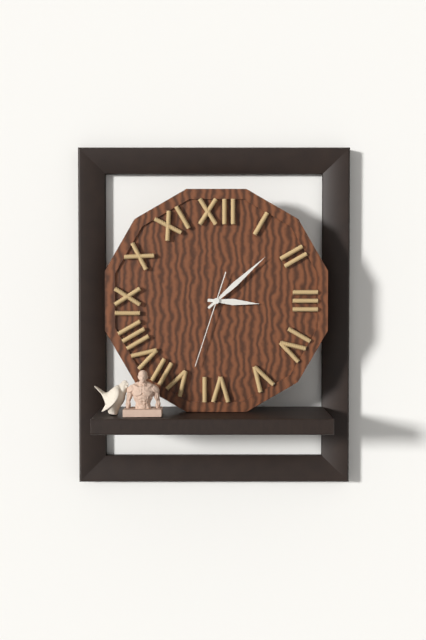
3:08:33
